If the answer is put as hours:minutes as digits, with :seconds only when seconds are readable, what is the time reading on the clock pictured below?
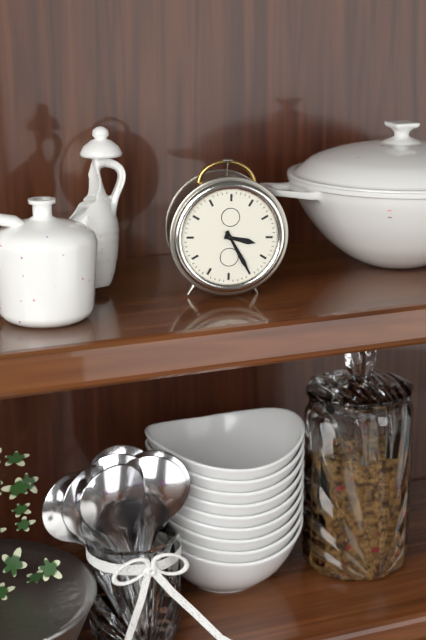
3:25
